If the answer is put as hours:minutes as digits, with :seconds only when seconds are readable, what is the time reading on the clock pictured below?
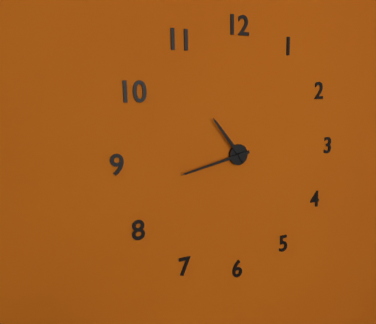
10:43
